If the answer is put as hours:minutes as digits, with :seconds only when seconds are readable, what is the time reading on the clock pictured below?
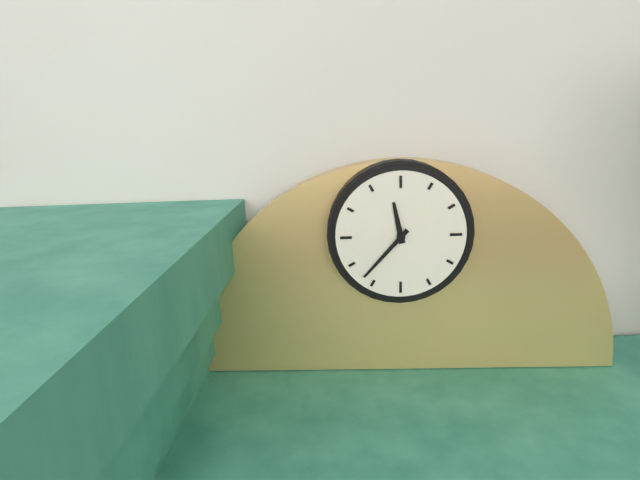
11:37
